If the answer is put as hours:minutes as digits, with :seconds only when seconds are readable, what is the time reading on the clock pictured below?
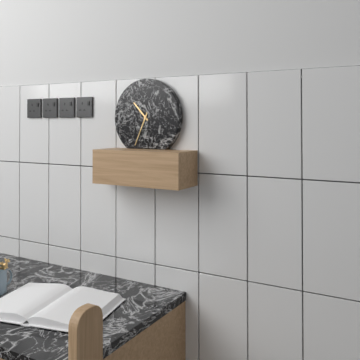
10:34
